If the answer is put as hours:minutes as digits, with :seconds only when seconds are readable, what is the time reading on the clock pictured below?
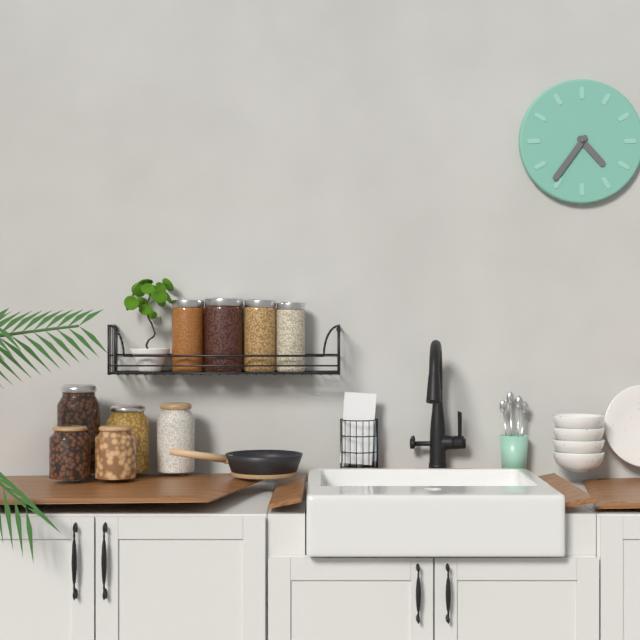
4:36
